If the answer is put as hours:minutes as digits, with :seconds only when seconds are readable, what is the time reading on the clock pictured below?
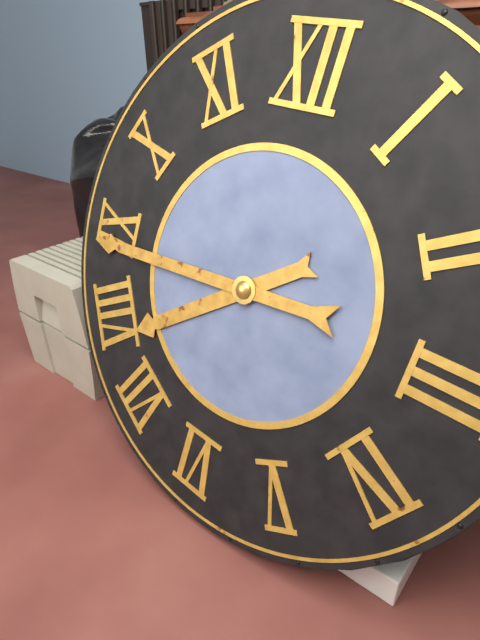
7:44
